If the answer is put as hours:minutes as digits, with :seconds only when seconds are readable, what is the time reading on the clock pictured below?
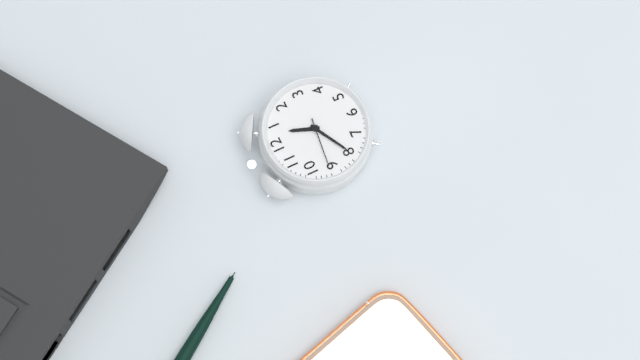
12:40:46
